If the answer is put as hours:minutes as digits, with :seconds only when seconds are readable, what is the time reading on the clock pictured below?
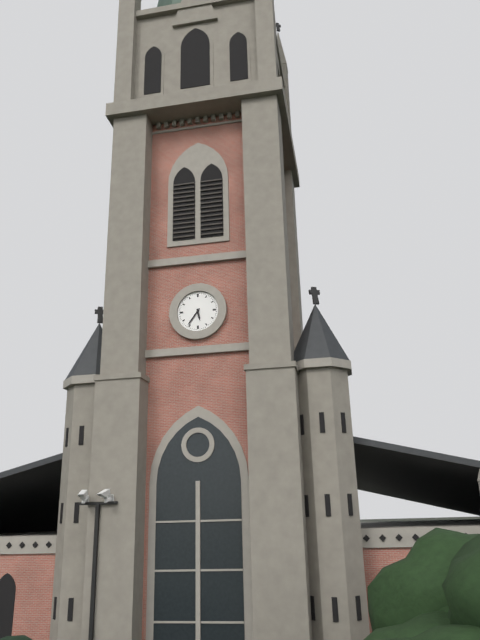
5:36
